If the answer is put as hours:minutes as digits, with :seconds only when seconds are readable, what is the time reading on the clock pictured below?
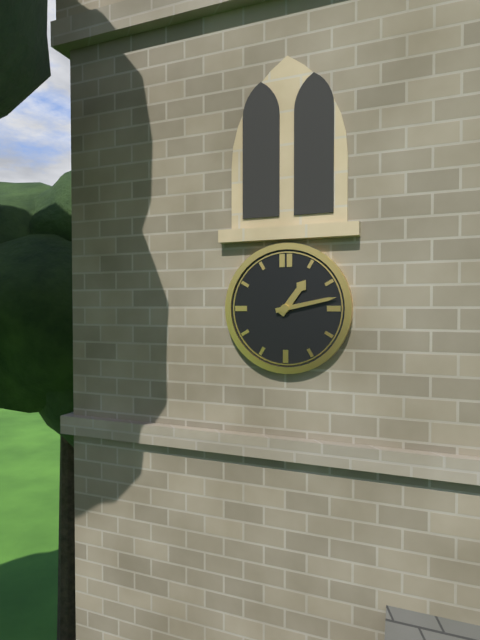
1:13
